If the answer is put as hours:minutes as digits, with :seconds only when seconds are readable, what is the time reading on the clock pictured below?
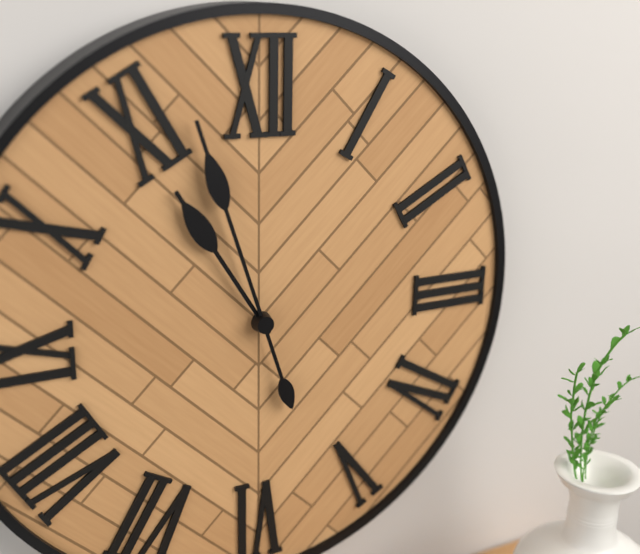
10:57
